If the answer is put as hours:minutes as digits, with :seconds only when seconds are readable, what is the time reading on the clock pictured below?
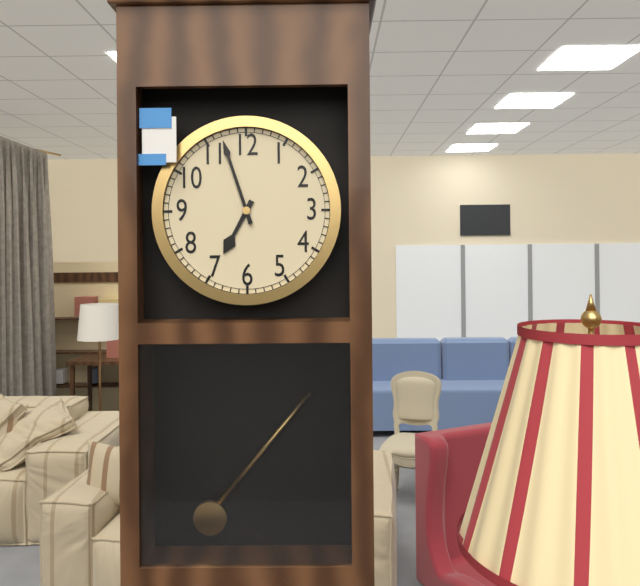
6:57
